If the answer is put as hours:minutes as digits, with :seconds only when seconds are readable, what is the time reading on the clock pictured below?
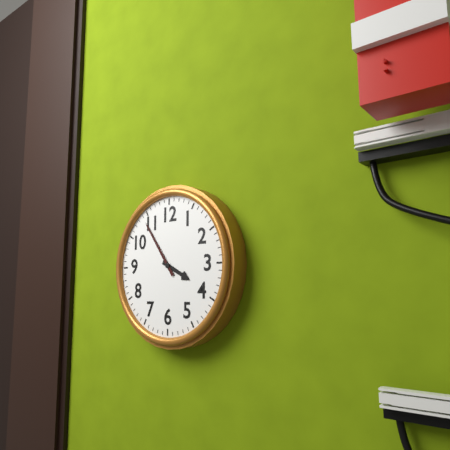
3:54
